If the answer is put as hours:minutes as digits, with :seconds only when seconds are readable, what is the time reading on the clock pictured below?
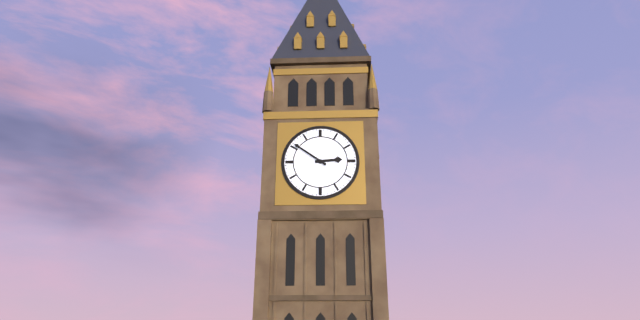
2:51
